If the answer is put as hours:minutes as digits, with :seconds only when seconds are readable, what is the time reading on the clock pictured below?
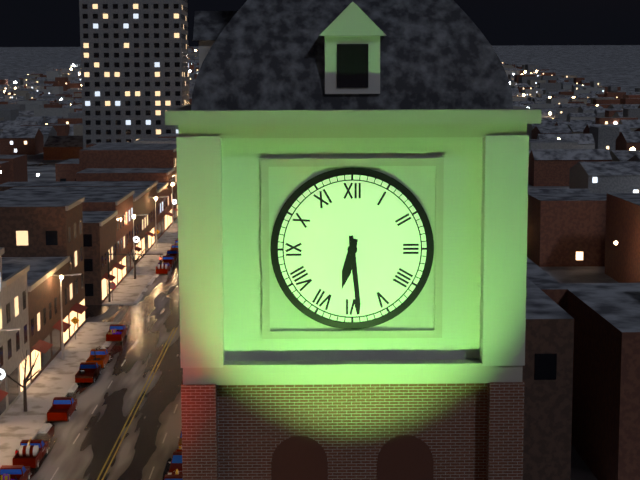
6:29
